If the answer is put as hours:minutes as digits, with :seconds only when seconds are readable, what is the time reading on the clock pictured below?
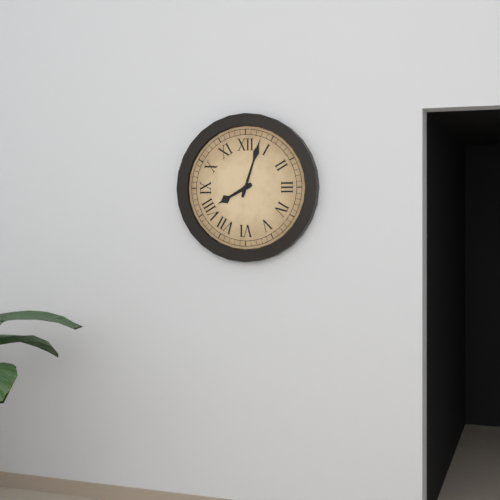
8:03
